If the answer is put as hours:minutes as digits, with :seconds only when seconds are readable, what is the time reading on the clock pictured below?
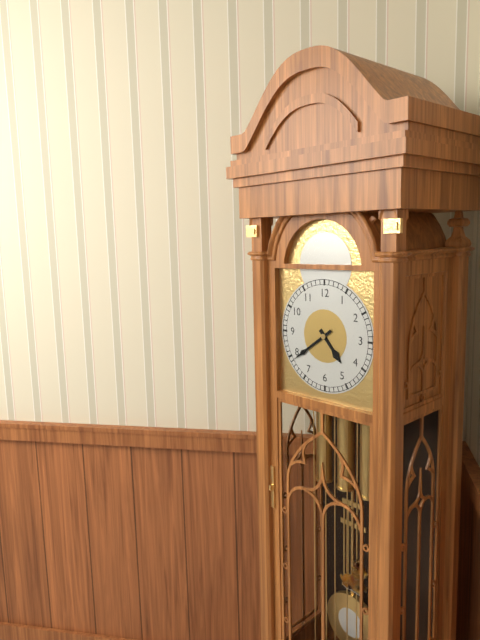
4:39
